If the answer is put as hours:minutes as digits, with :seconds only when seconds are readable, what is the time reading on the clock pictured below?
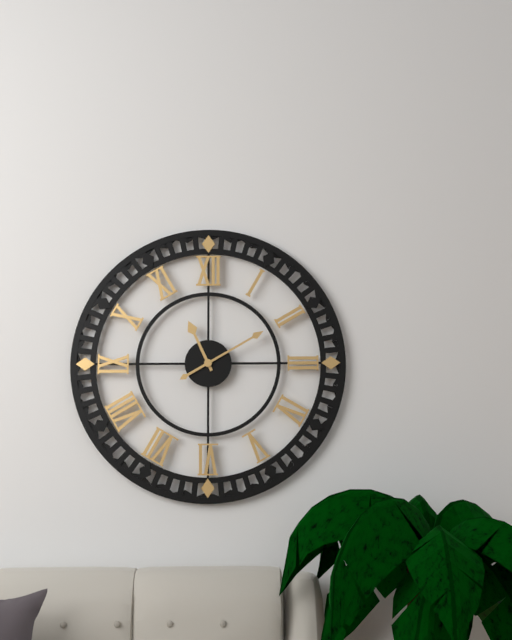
11:10
